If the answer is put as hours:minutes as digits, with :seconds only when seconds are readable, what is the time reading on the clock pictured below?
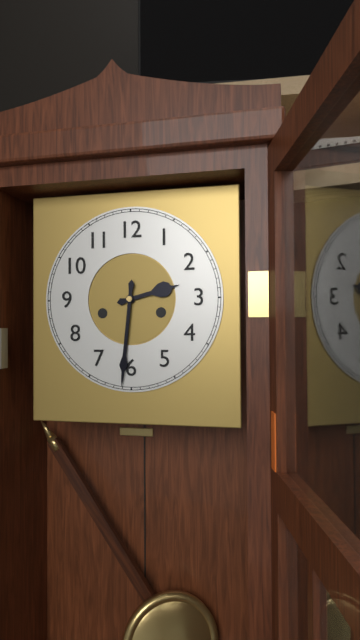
2:31
